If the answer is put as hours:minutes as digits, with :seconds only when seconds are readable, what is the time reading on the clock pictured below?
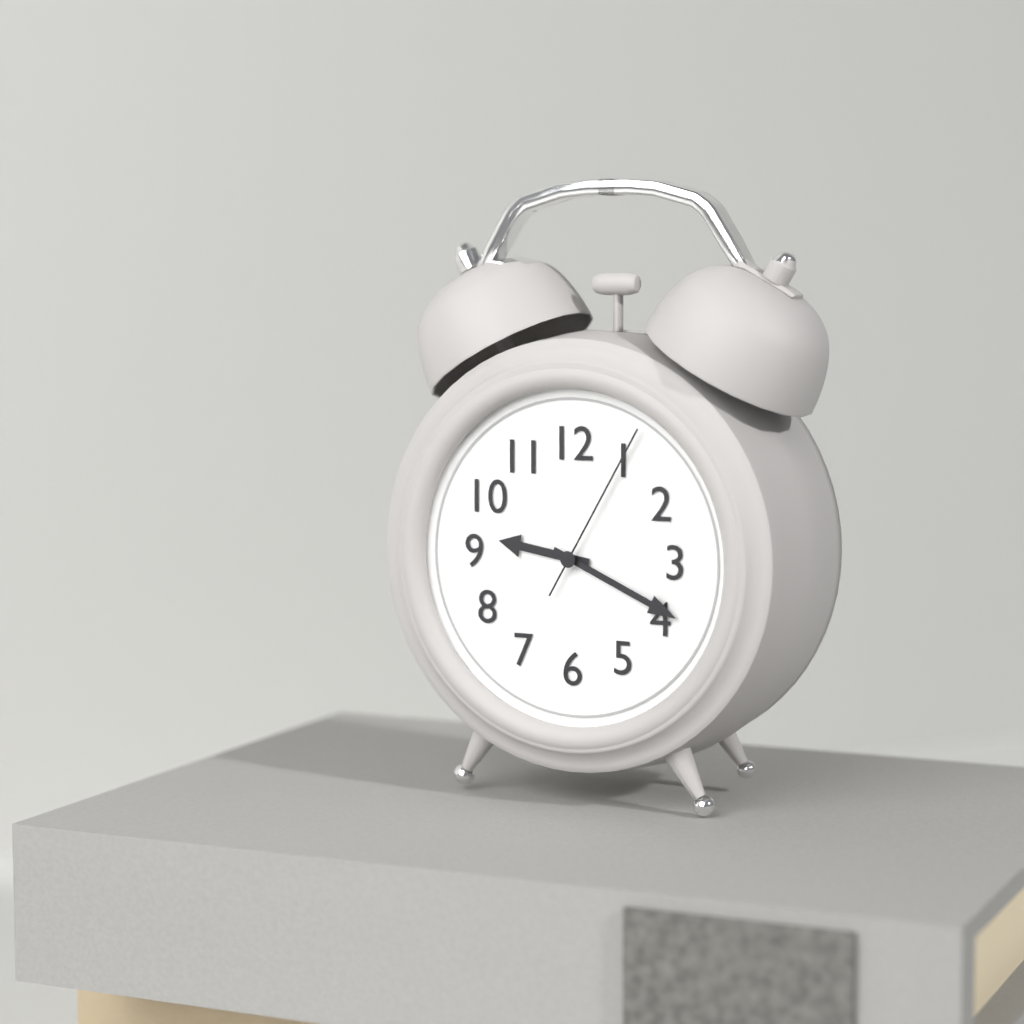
9:19:05
